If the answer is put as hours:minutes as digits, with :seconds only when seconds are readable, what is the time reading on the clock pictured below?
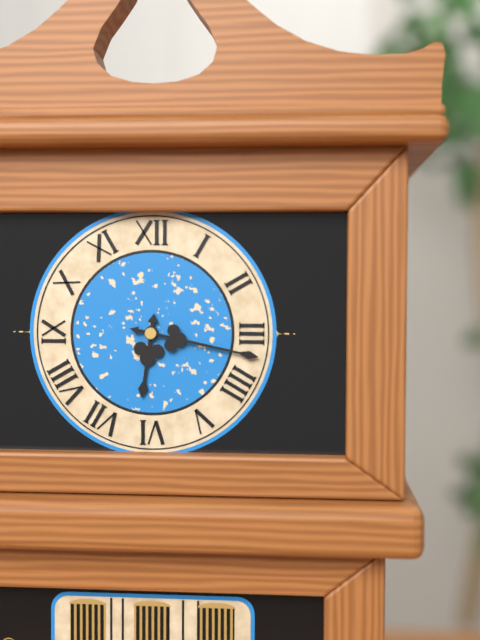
6:17
